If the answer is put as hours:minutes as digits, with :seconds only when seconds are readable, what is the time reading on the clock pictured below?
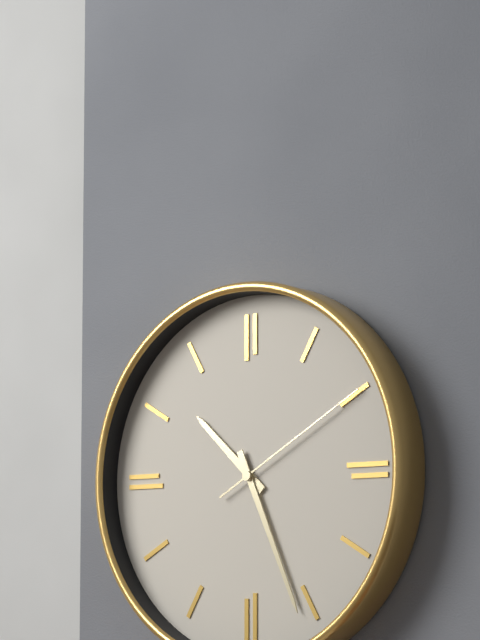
10:26:10
